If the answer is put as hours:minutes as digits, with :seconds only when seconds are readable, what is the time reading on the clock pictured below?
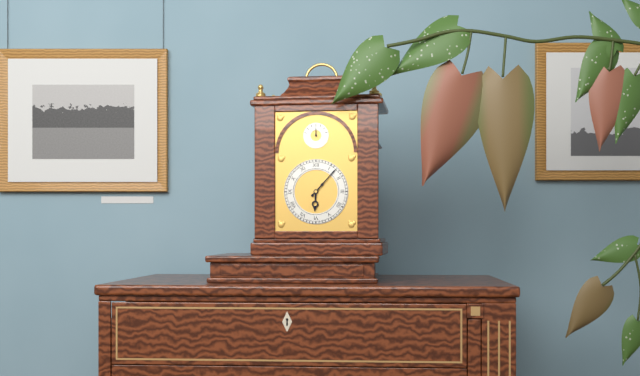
6:07
